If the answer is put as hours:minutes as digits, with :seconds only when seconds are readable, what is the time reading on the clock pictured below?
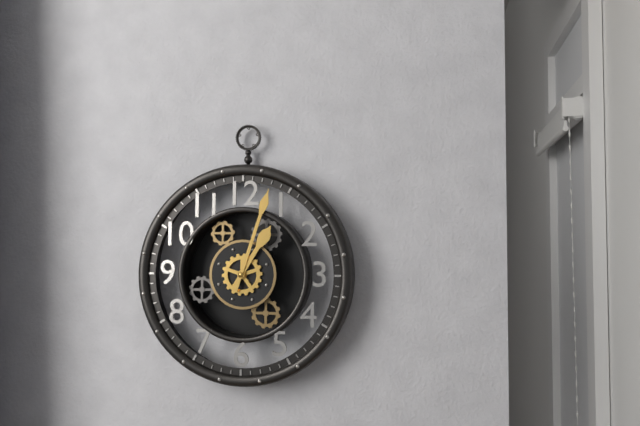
1:03
